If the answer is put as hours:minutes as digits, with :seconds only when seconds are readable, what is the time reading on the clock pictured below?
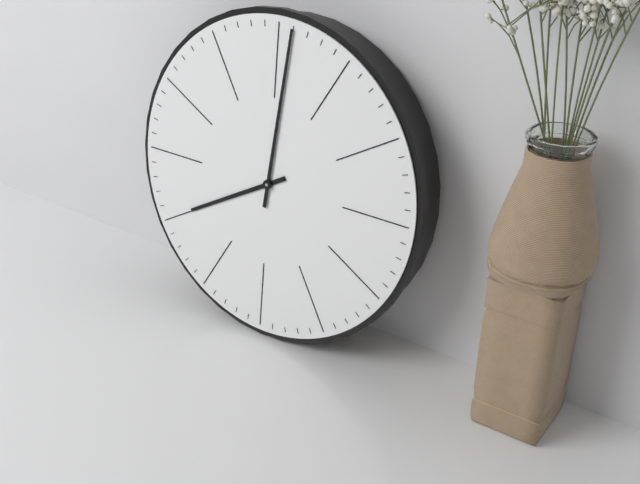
8:01
